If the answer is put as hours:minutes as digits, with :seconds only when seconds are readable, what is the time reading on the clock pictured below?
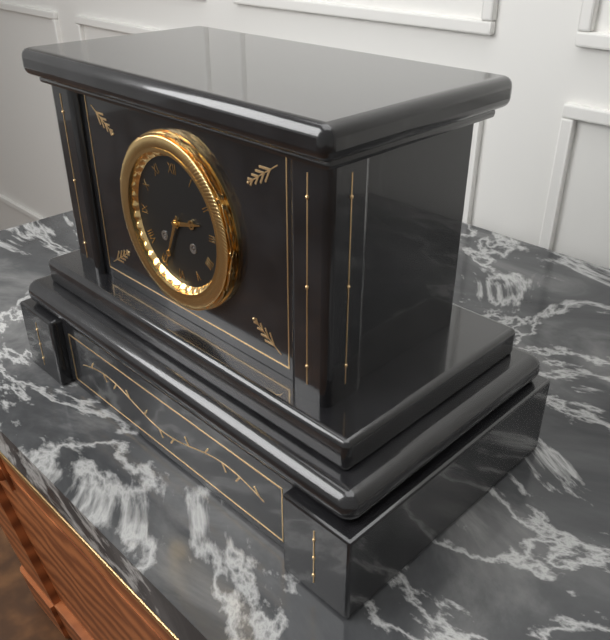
2:34
